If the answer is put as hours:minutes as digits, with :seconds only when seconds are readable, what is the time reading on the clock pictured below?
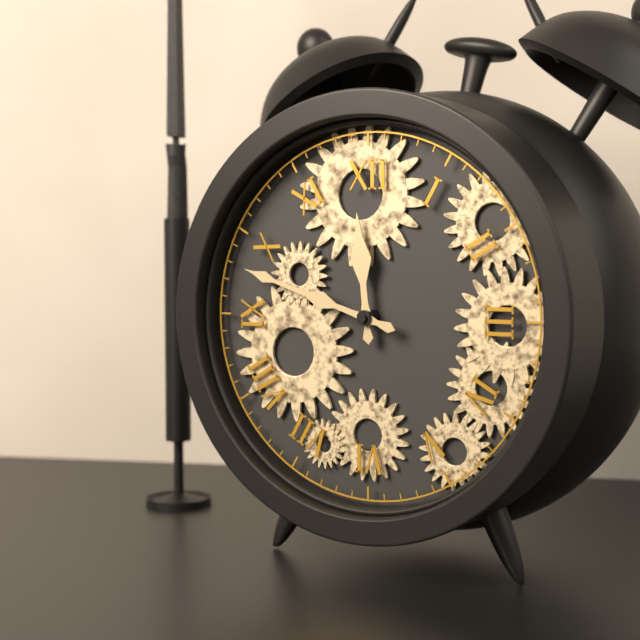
11:48
